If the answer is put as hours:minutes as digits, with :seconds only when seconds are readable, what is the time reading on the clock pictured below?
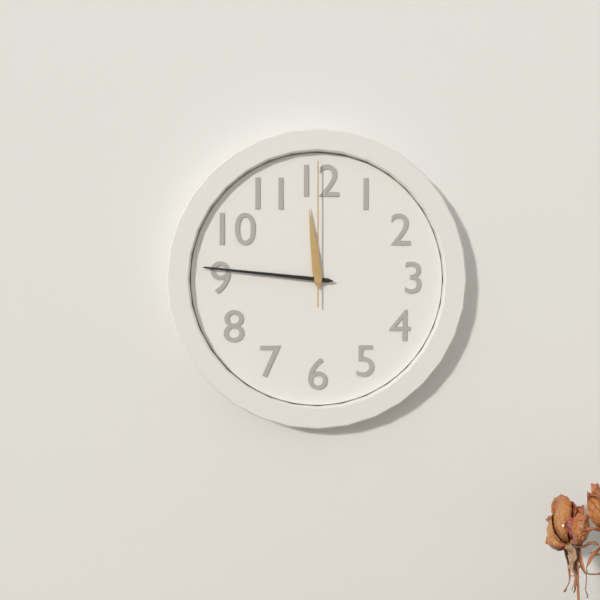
11:46:00
